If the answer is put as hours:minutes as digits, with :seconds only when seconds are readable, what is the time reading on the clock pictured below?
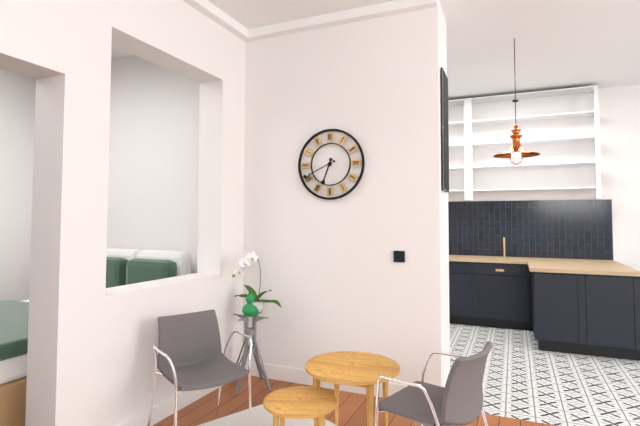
6:41
